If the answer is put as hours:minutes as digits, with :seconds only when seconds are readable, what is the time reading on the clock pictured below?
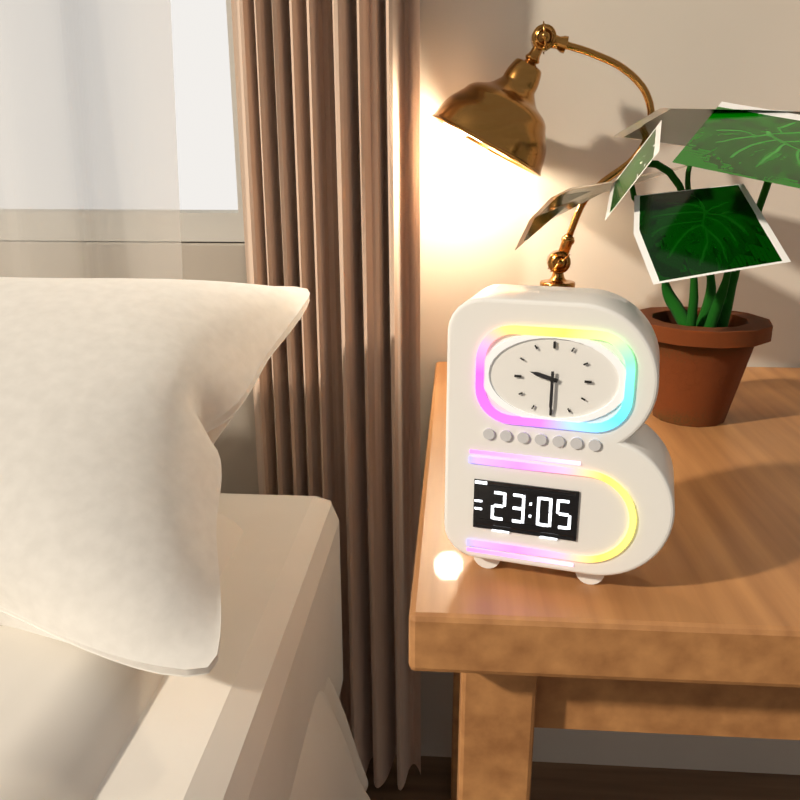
9:30
